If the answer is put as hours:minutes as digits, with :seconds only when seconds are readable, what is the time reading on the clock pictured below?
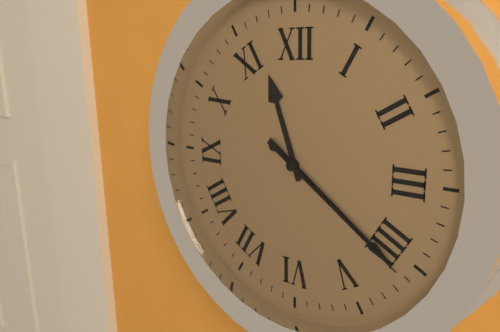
11:21:21
